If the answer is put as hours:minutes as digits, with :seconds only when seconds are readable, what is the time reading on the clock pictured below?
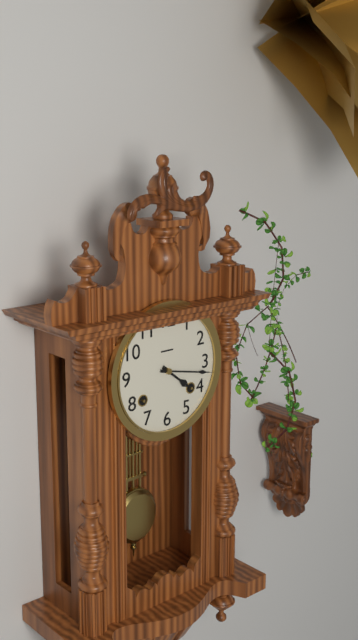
4:17
